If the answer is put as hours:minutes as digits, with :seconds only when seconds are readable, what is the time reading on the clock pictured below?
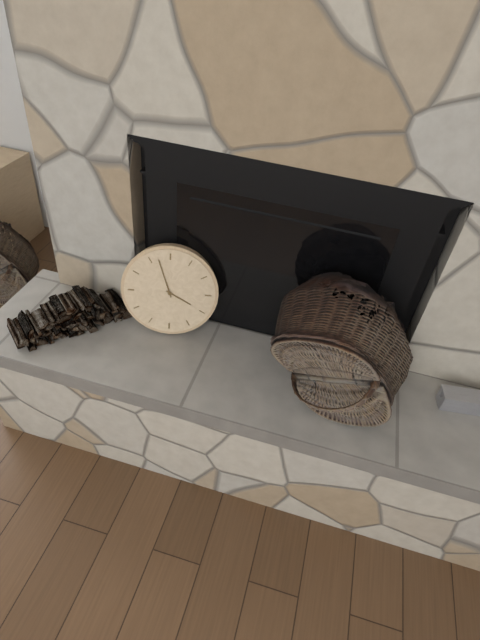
3:57
